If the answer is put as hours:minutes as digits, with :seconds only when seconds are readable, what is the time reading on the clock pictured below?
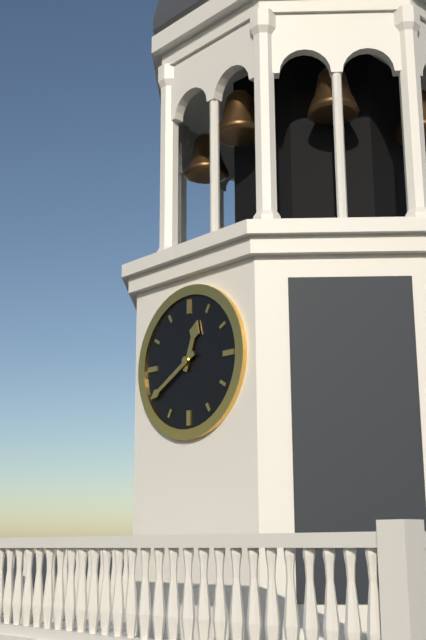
12:40
